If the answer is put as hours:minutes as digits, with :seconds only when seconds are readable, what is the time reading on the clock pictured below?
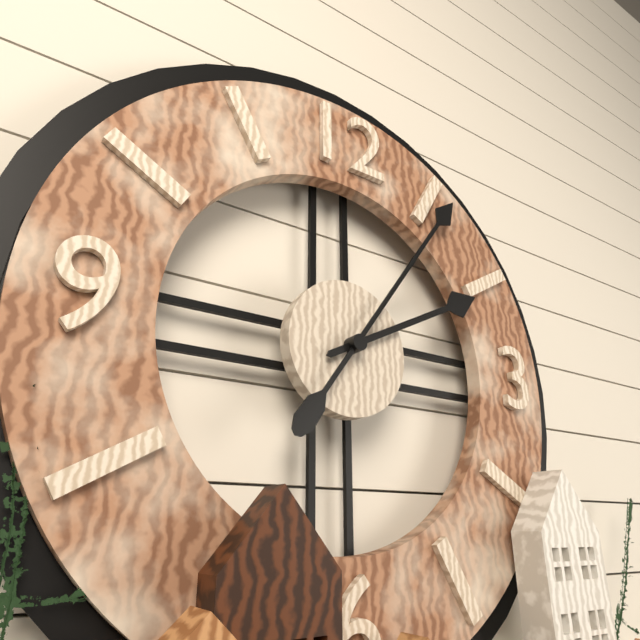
2:06
